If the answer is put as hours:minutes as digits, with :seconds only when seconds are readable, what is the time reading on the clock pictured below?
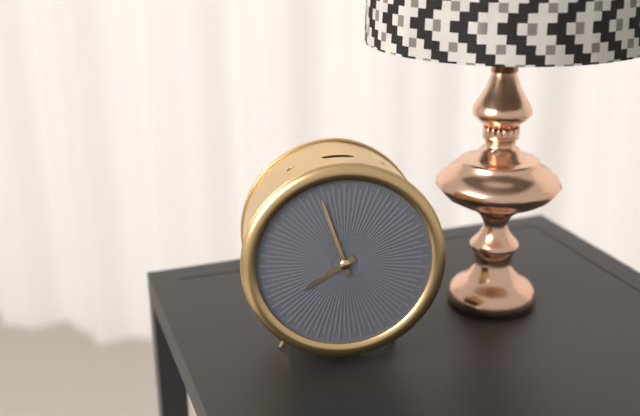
7:57
